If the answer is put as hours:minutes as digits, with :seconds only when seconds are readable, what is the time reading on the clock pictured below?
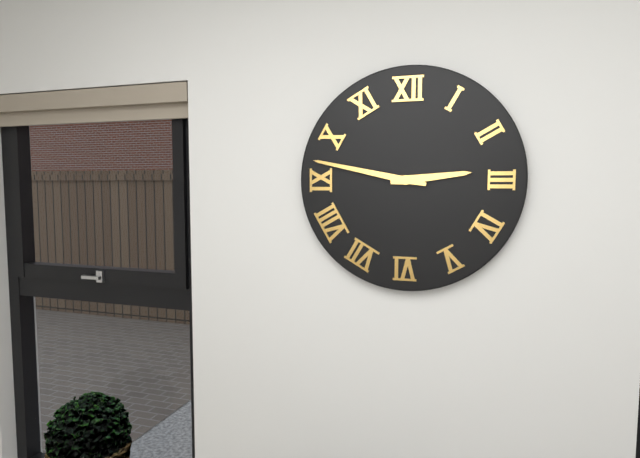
2:47
